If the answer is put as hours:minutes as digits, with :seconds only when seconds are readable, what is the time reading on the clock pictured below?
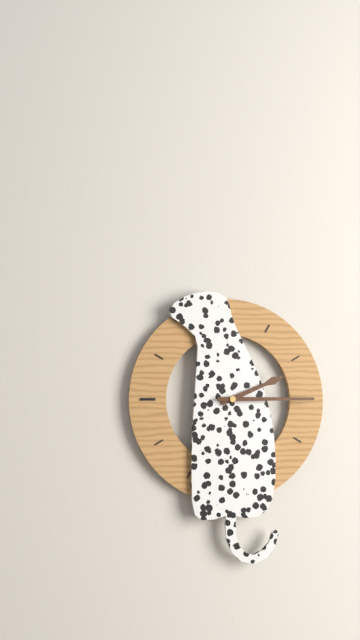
2:15
